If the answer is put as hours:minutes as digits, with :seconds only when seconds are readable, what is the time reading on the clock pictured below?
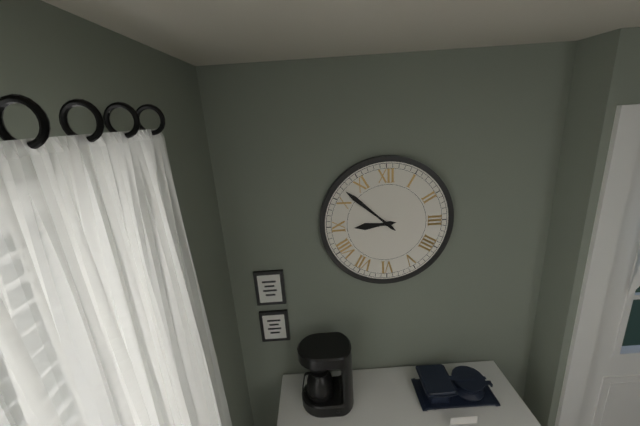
8:52
